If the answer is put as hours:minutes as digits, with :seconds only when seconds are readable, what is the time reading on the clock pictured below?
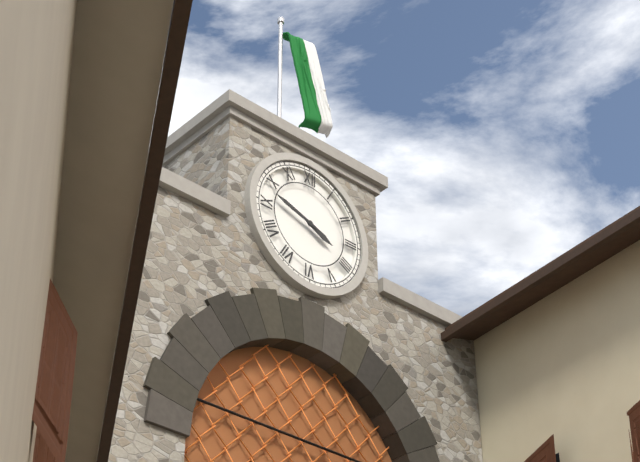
3:48
